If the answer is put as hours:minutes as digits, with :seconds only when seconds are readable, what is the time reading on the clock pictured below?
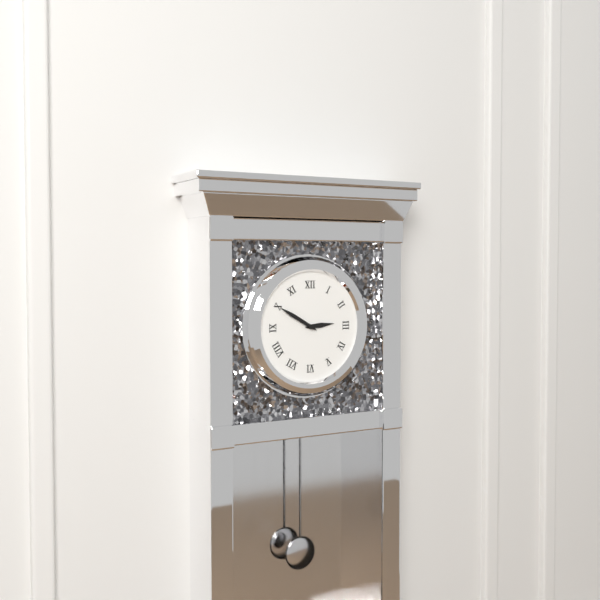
2:50
